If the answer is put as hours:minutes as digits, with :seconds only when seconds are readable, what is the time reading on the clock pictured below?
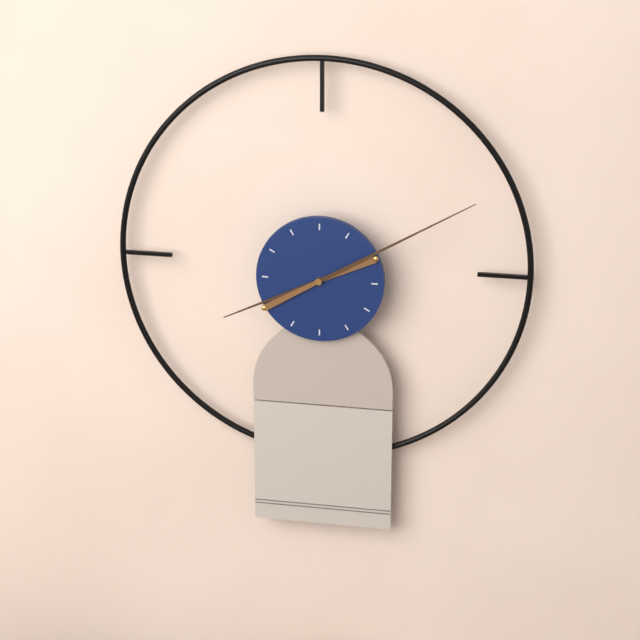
8:10
